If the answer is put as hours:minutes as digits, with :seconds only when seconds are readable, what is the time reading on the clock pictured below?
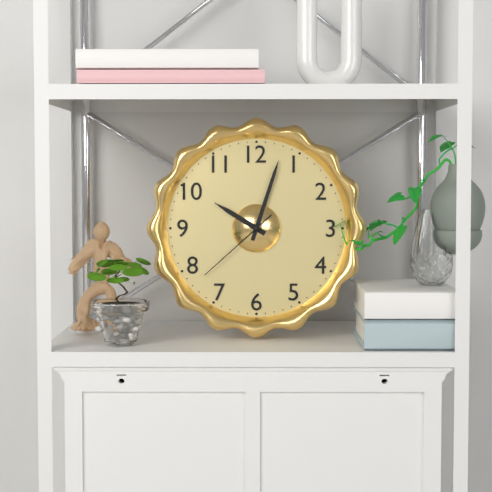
10:03:38
